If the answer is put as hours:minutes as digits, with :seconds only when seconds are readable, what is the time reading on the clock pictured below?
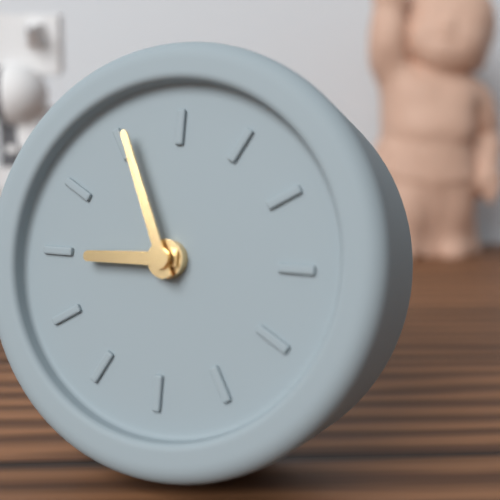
8:56
